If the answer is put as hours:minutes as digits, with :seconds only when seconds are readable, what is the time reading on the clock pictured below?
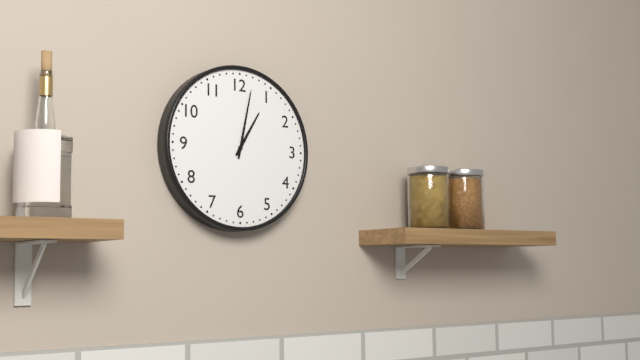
1:02
